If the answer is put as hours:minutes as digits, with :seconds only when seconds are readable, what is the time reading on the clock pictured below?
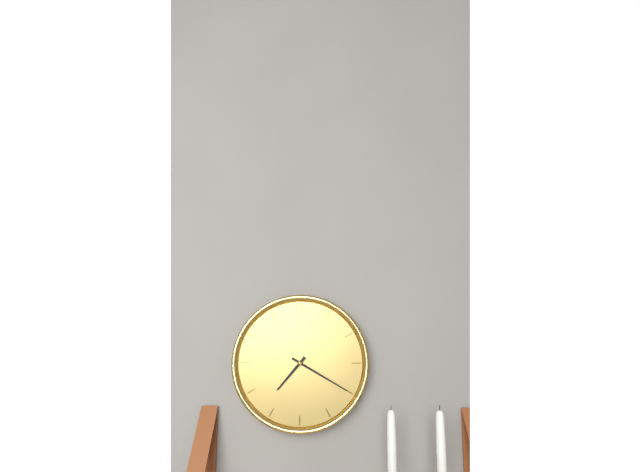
7:20
